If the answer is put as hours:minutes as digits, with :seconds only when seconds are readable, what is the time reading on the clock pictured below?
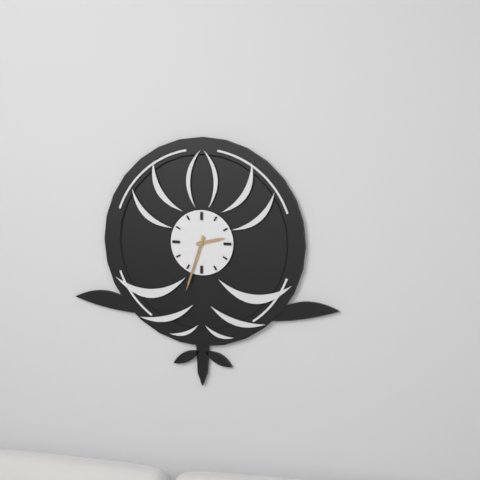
2:33
